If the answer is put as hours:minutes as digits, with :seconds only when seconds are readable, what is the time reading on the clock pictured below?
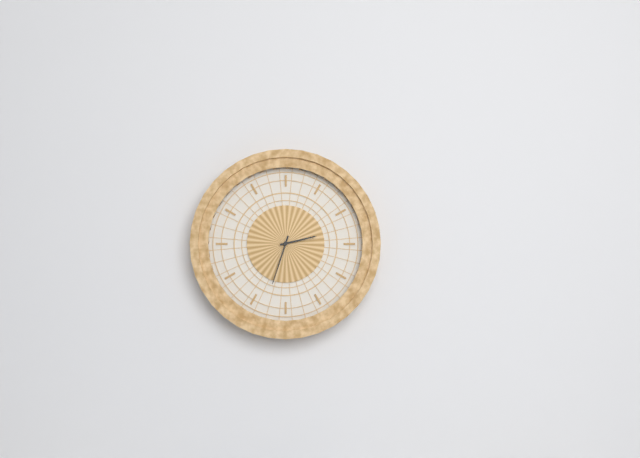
2:33
